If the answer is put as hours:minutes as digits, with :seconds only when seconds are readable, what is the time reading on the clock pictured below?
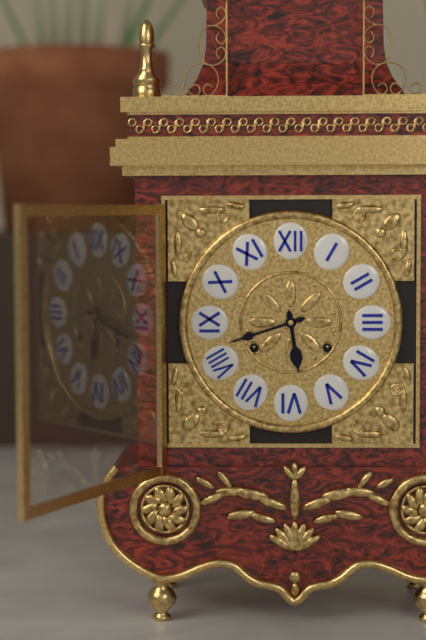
5:42
